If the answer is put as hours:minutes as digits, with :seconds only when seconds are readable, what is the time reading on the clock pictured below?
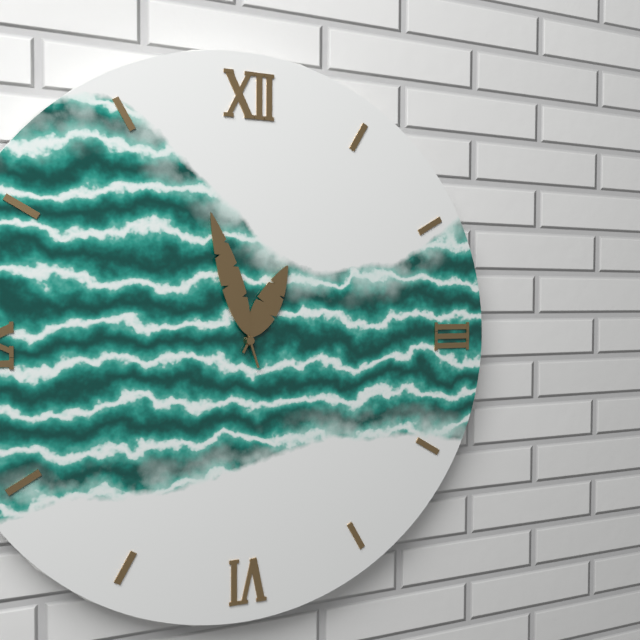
12:57
